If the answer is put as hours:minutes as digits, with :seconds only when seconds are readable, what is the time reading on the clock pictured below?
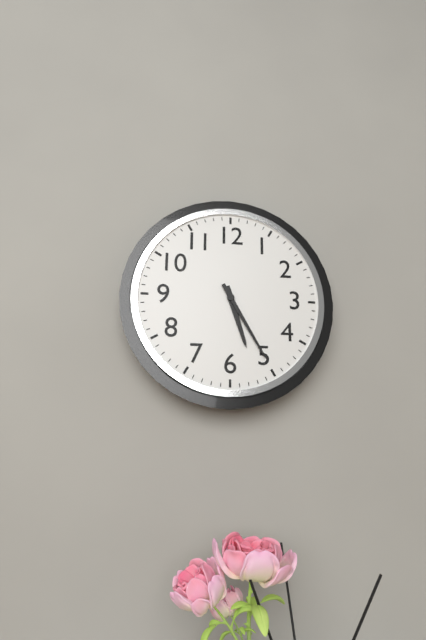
5:25
